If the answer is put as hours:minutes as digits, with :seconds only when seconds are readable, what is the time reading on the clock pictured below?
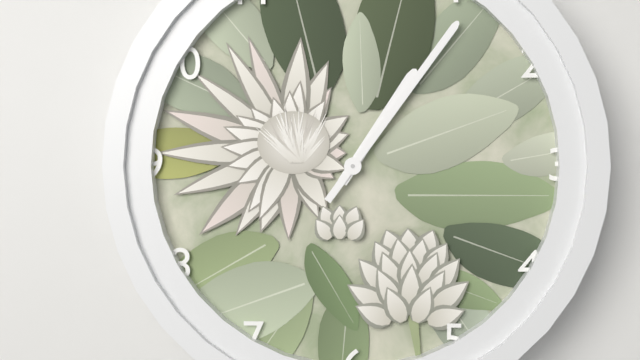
1:06
